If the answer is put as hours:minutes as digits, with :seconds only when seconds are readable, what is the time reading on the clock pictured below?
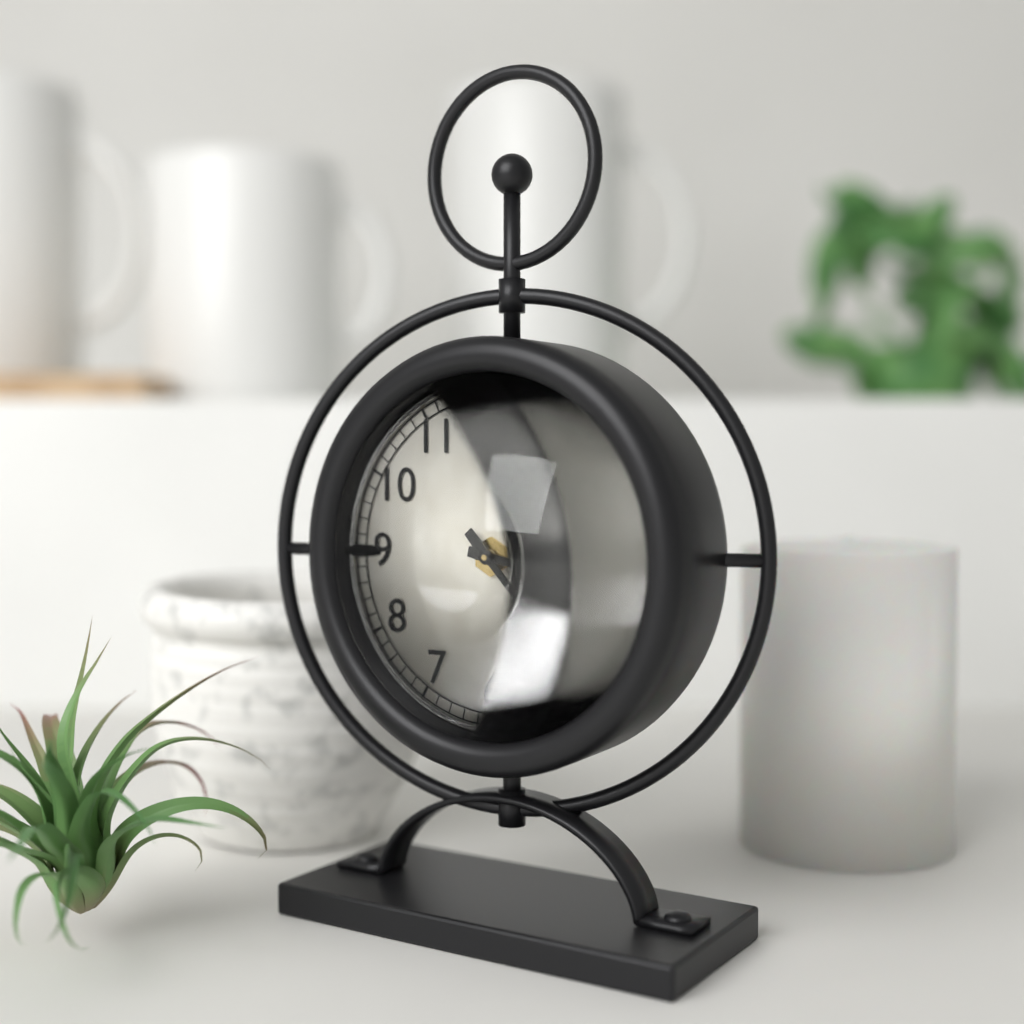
3:23
